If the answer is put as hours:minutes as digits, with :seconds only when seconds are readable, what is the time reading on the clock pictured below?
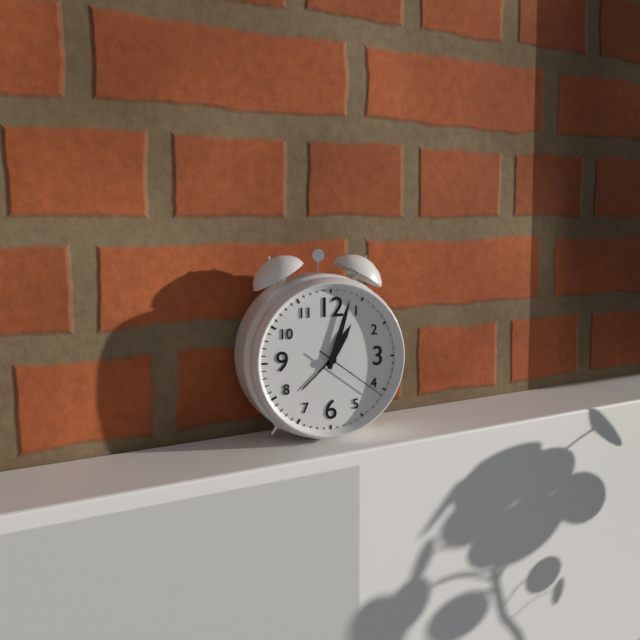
1:03:21
